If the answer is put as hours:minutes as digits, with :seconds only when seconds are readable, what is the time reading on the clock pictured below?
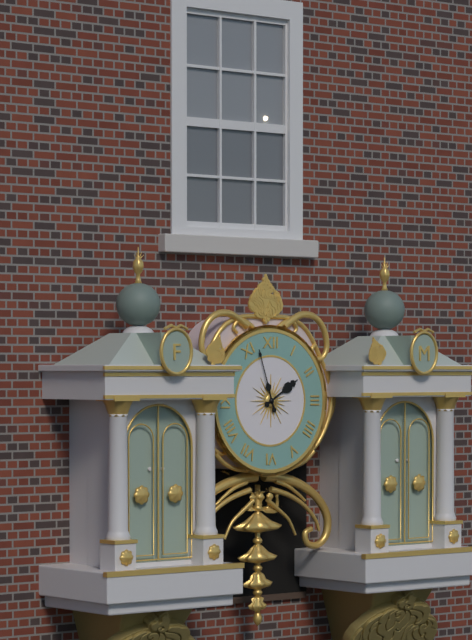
1:57
